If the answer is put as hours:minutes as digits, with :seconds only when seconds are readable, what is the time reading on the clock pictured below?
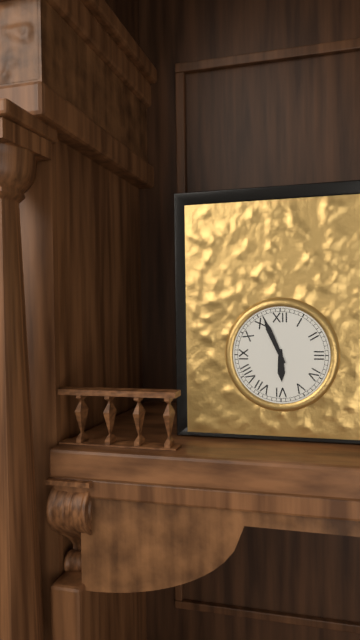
5:56
